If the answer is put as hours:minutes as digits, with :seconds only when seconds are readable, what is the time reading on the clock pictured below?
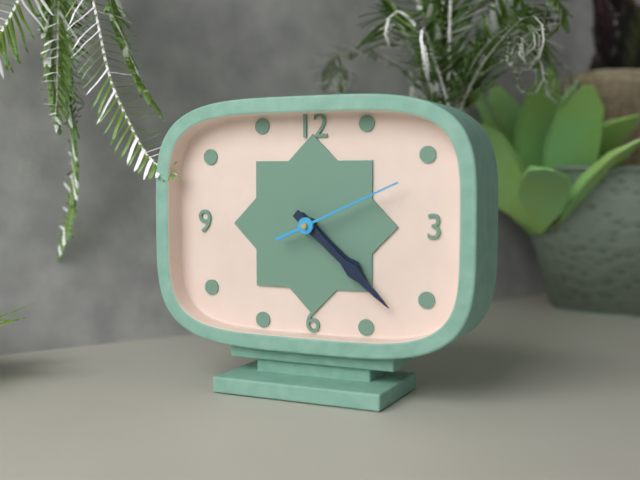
4:22:11
